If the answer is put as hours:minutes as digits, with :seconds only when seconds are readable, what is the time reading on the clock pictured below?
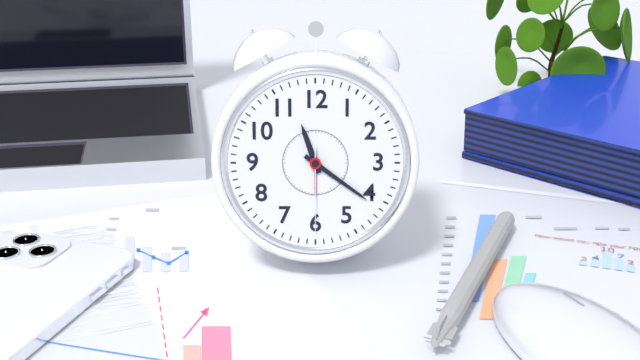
11:21:30
